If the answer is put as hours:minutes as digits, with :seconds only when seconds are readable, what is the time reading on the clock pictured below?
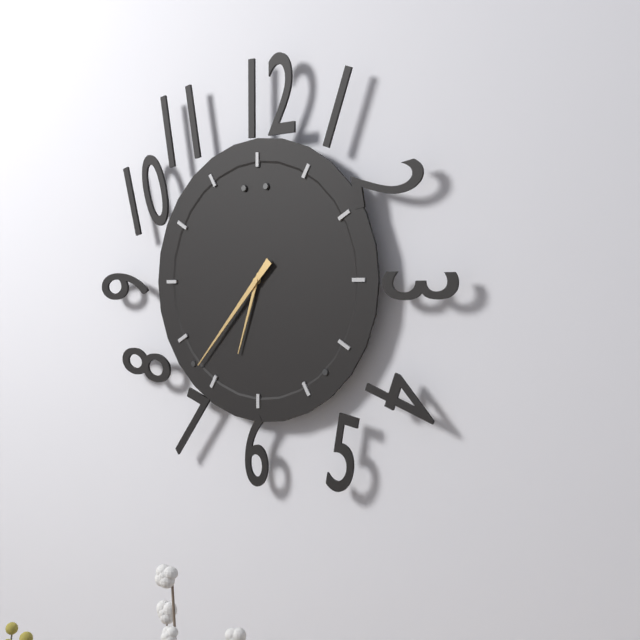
6:37
